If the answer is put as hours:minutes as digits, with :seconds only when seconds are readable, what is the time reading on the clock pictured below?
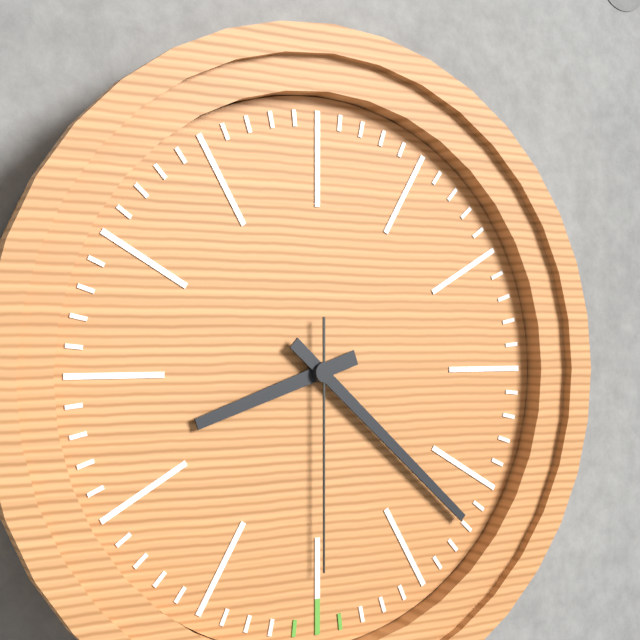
8:22:30
